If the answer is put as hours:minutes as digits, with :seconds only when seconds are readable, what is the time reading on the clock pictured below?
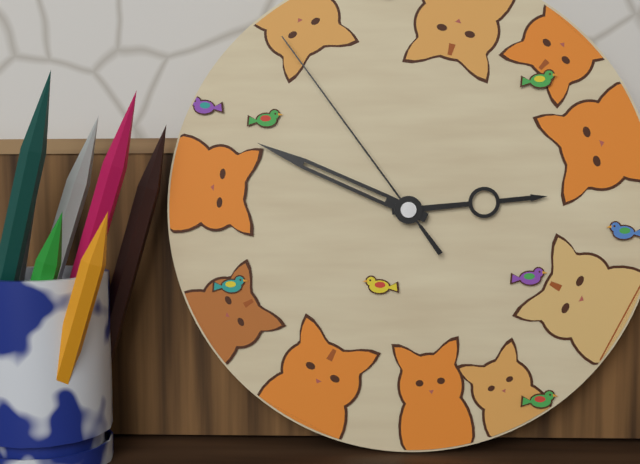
2:49:54
